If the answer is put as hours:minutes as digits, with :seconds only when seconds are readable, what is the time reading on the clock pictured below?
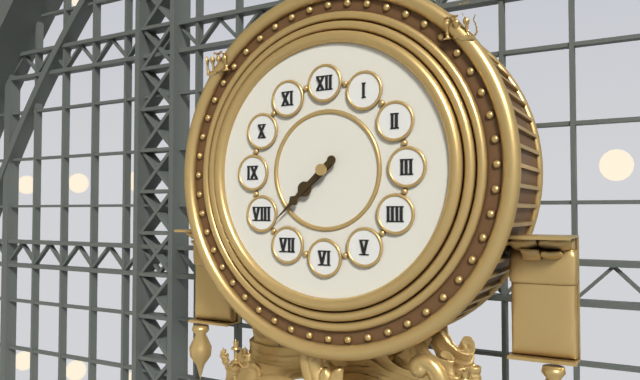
7:38
